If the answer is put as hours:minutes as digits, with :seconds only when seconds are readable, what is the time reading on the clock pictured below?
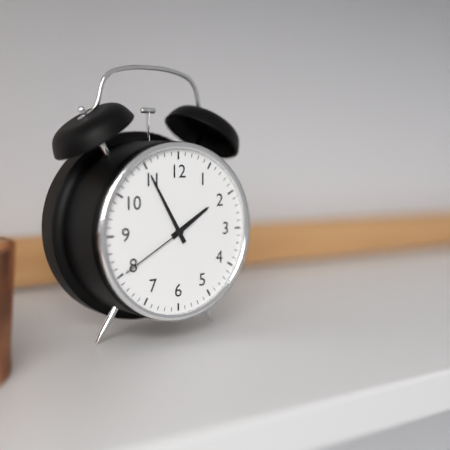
1:55:40
